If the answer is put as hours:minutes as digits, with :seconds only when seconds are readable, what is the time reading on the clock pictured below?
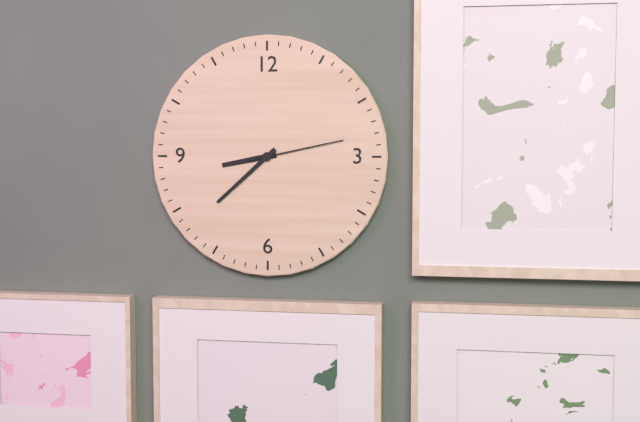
8:38:13
